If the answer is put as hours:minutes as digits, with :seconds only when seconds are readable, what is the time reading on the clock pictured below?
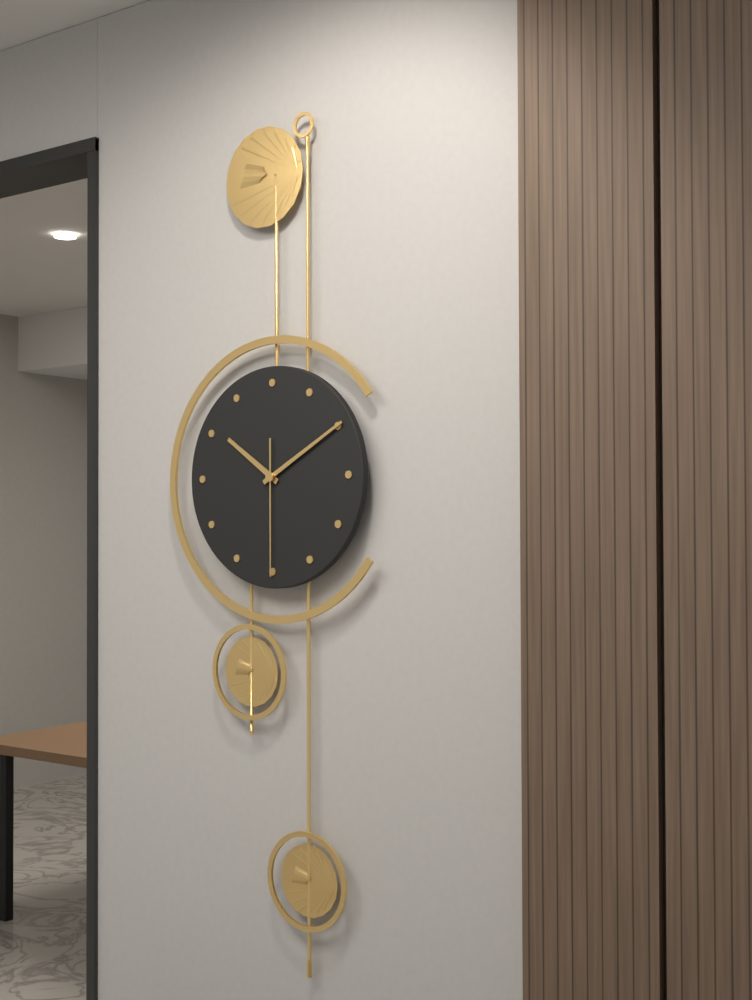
10:10:30
